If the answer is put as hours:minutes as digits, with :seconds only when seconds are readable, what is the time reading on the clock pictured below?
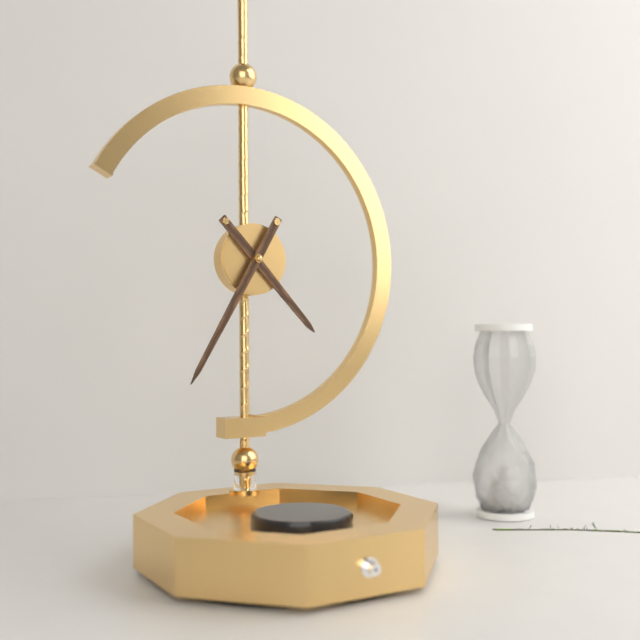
4:35
